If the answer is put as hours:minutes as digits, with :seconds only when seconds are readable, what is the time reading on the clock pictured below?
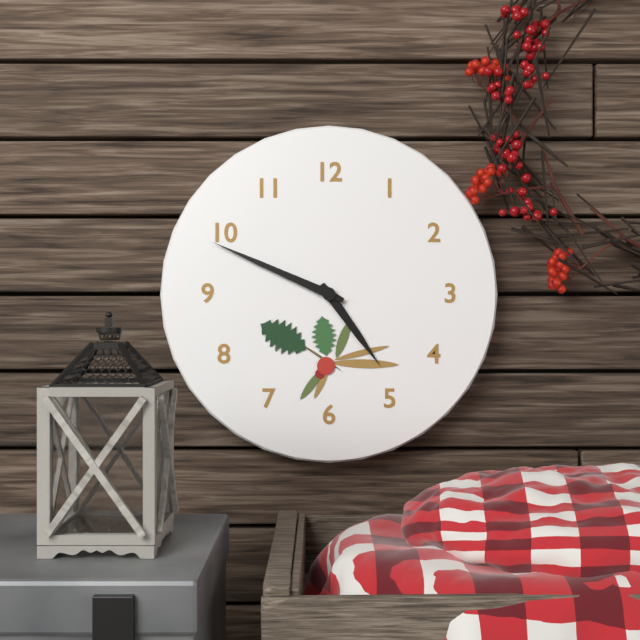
4:49
